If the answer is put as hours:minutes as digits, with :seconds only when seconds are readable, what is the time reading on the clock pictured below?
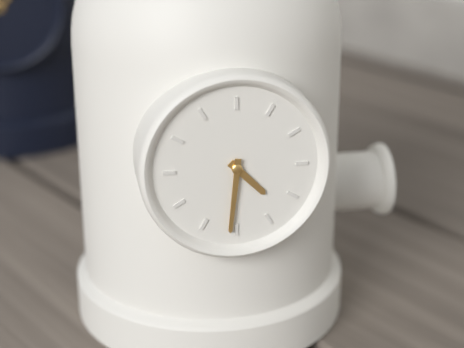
4:31
